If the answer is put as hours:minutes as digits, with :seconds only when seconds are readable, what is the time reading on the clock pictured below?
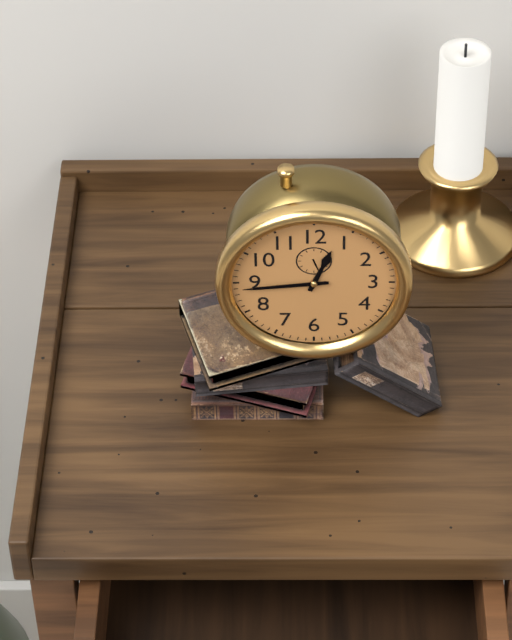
12:44
